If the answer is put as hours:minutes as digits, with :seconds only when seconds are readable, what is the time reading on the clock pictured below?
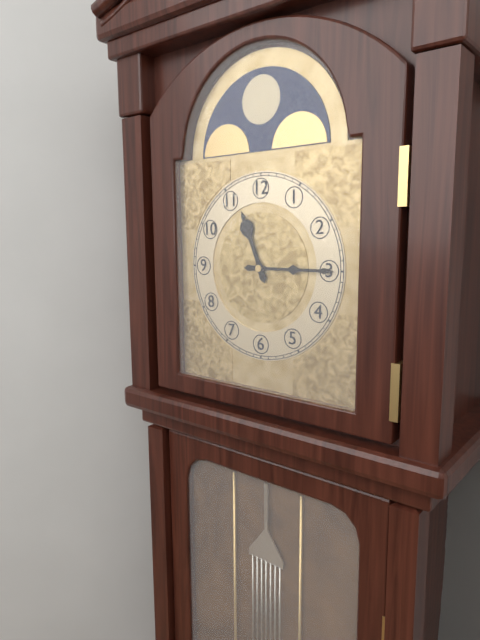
11:15
